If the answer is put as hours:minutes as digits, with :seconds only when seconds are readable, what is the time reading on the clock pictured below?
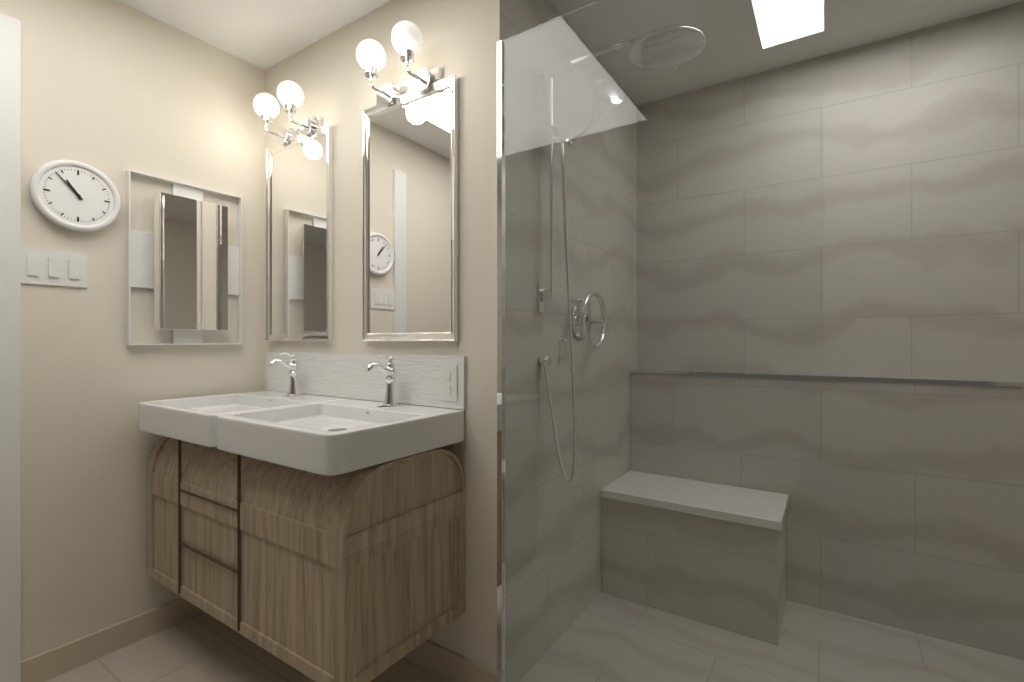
10:53
